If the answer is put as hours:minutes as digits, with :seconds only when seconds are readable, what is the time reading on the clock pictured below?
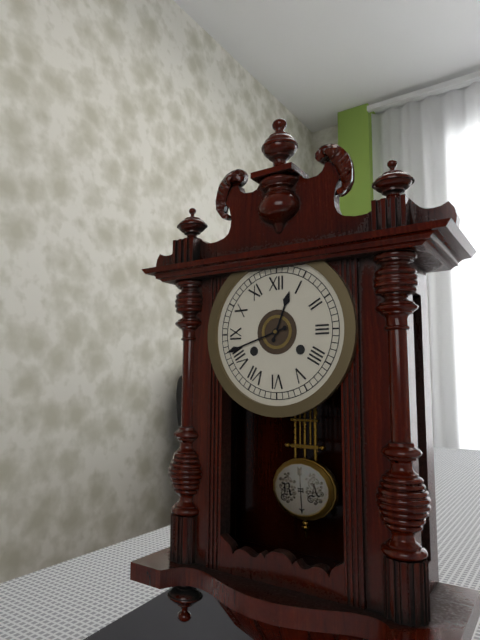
12:42
